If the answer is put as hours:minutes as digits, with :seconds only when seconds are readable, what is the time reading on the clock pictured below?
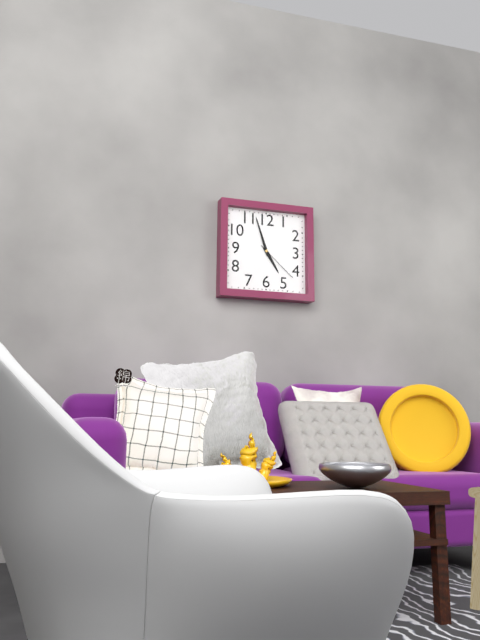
4:57
